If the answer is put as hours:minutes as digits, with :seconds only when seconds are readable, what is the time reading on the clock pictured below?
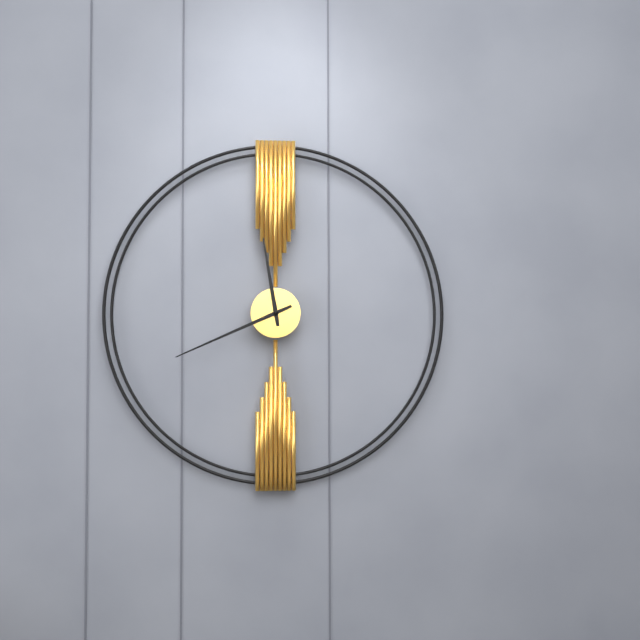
11:41
